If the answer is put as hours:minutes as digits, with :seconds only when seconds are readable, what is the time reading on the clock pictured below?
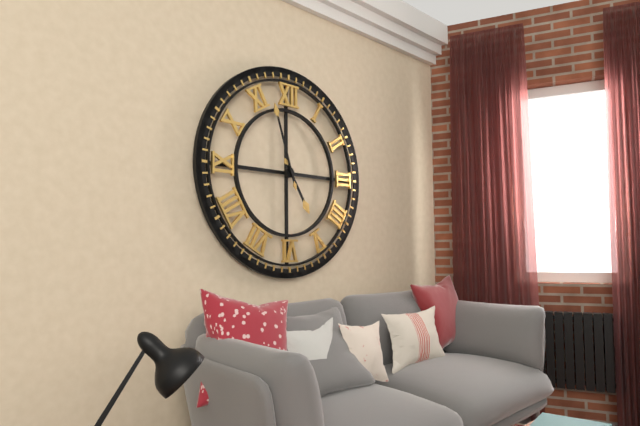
4:57
